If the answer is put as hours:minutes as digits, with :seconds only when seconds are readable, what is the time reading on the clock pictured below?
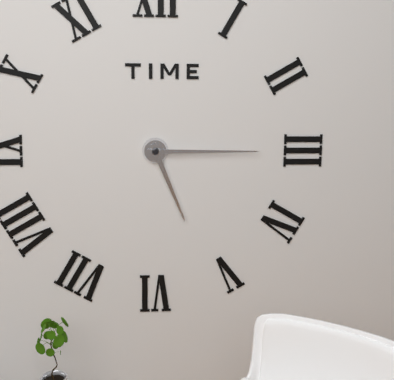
5:15
